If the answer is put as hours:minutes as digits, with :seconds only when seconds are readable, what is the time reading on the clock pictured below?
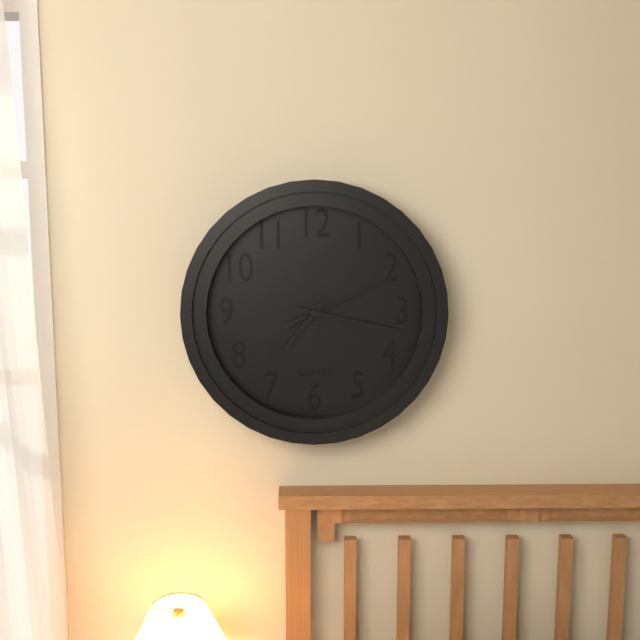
7:17:11
